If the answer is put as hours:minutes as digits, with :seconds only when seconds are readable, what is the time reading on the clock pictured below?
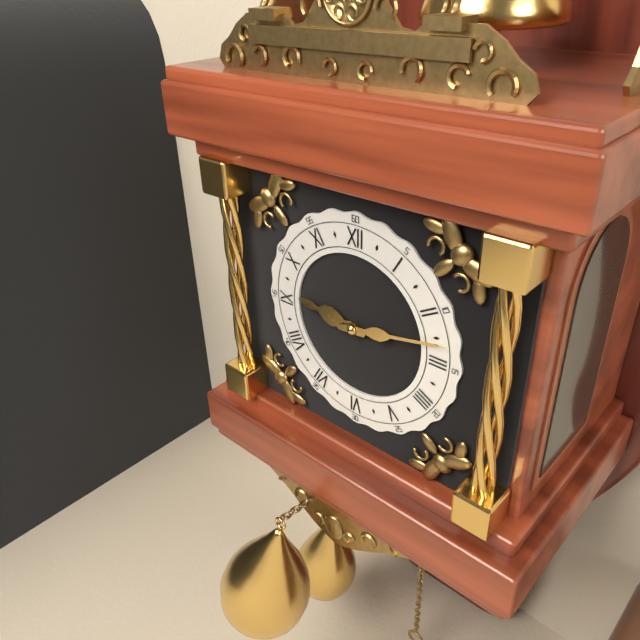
9:13
